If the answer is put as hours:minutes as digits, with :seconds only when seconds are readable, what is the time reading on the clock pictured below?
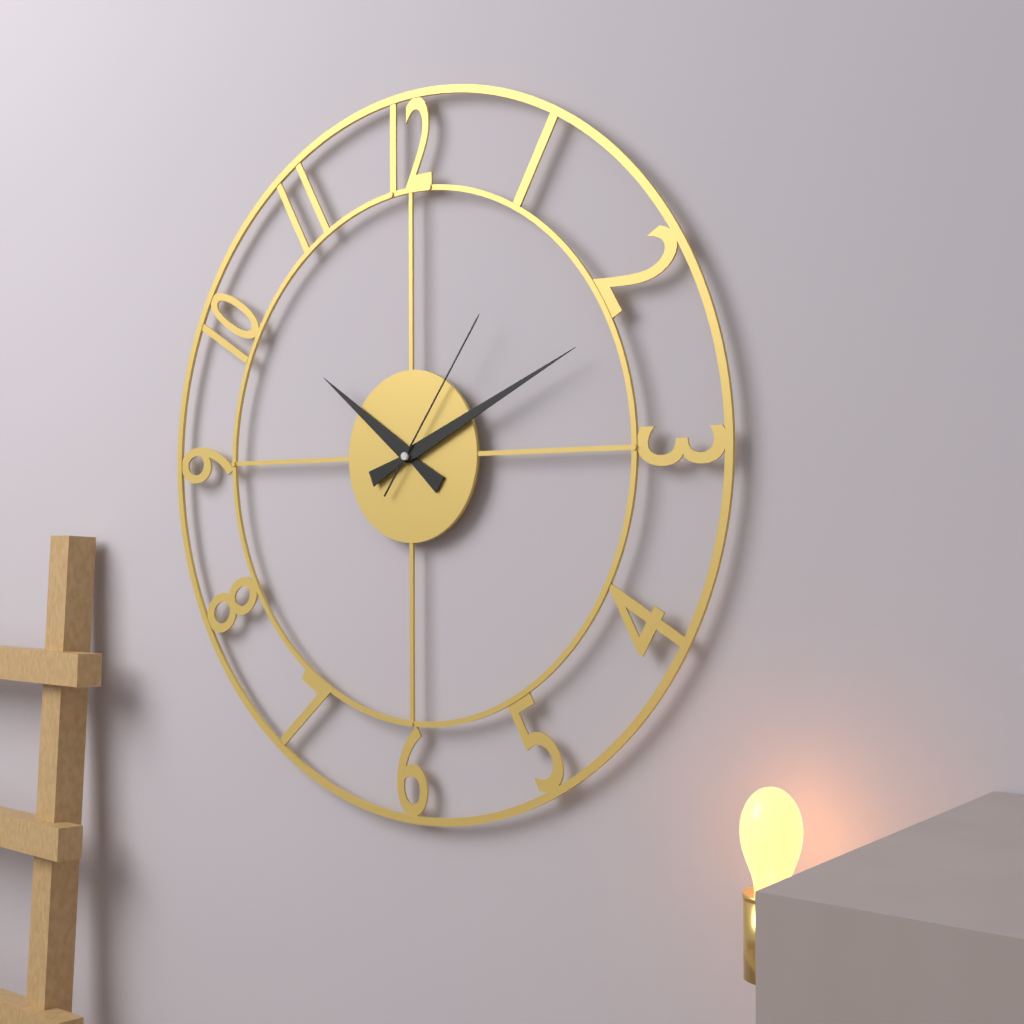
10:11:06
